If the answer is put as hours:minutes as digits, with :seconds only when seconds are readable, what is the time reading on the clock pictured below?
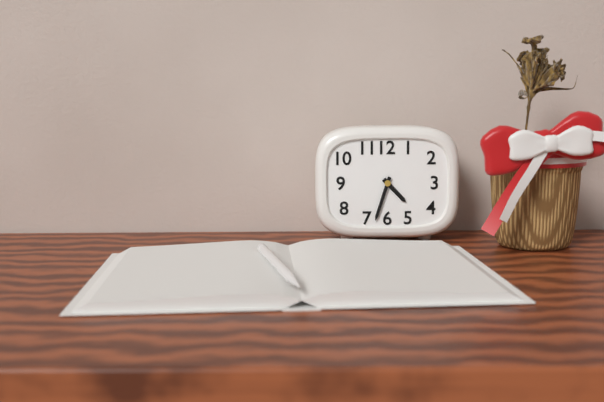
4:33
